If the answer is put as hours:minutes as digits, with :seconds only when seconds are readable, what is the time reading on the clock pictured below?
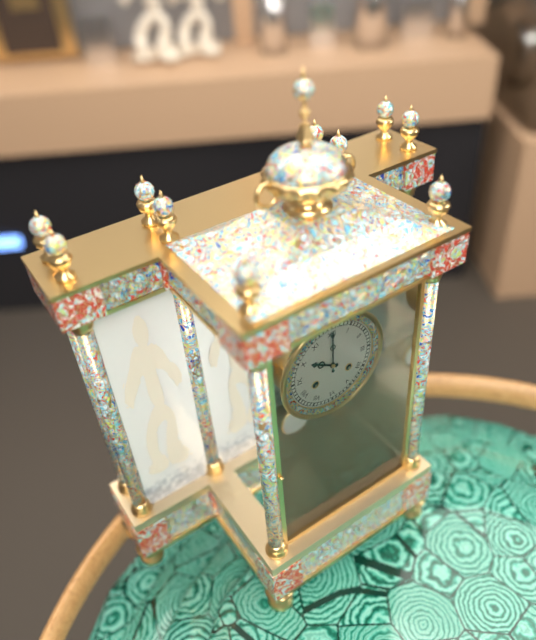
10:00
